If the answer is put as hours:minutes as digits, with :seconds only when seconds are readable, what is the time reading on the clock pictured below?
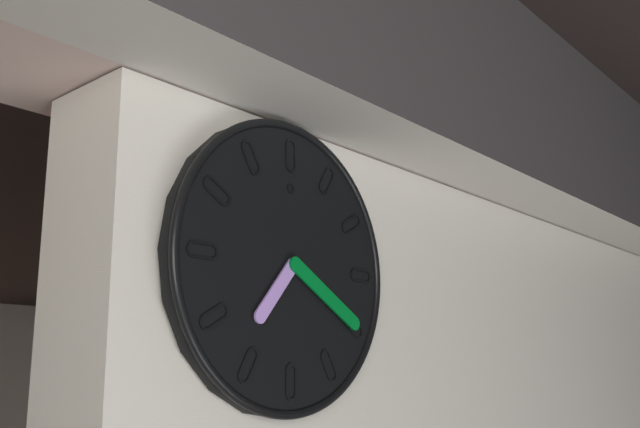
7:20
